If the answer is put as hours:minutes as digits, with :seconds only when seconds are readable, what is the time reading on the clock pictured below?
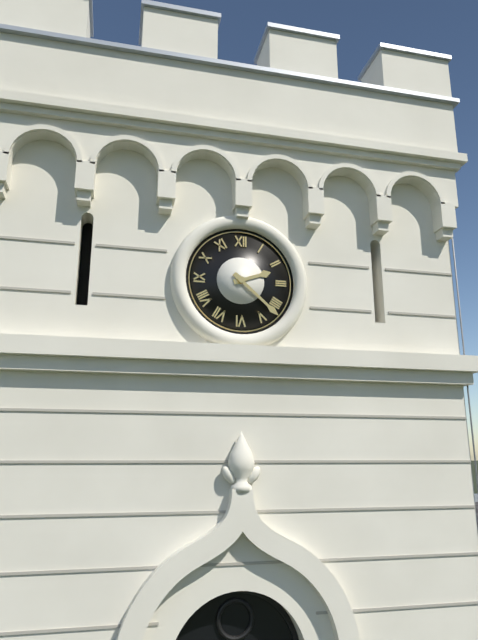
2:22
